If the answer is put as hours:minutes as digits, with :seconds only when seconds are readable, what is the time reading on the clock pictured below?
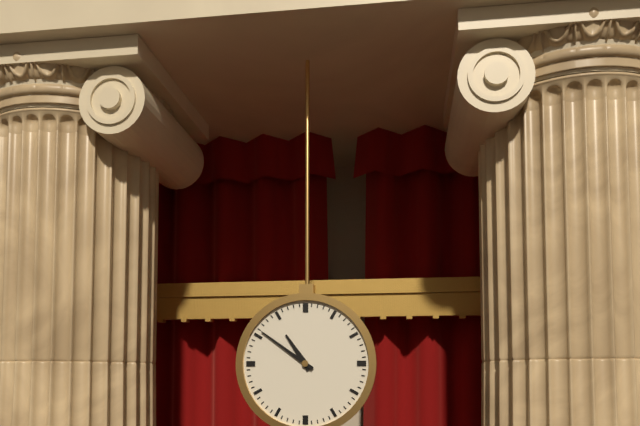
10:51
